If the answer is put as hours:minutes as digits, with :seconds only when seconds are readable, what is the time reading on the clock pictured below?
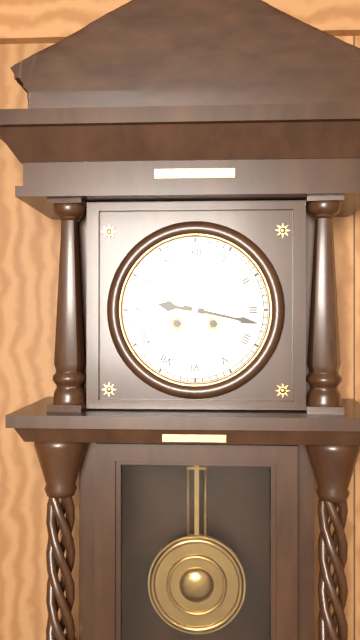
9:17
